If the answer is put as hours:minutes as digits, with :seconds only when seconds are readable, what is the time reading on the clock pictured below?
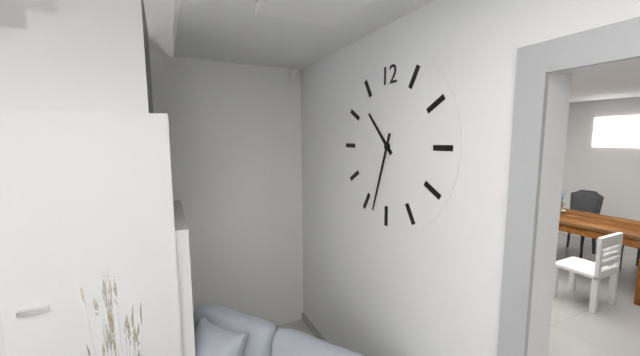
10:33
